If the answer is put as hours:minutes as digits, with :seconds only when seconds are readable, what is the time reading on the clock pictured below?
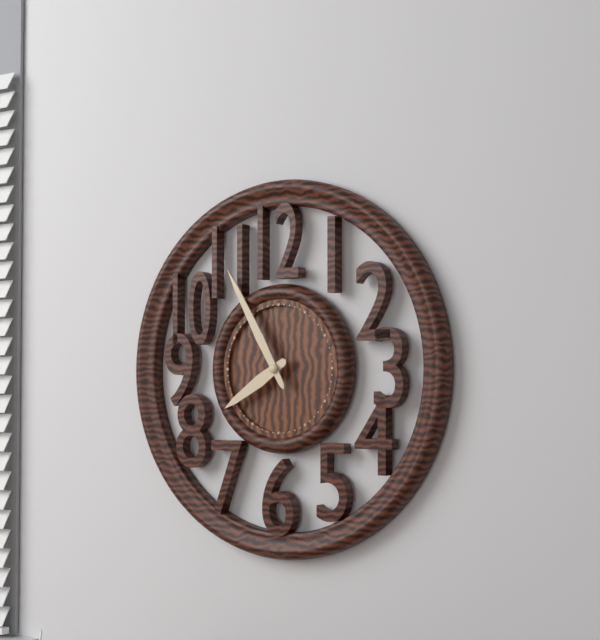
7:55
